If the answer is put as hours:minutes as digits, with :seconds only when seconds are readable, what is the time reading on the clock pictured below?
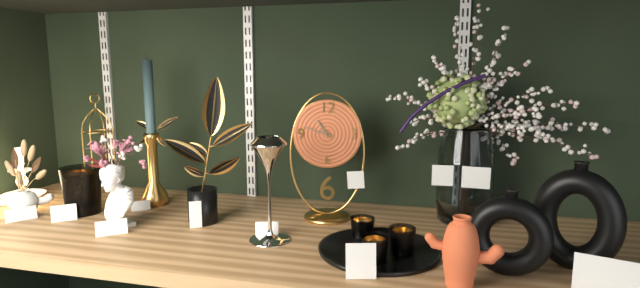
10:48
